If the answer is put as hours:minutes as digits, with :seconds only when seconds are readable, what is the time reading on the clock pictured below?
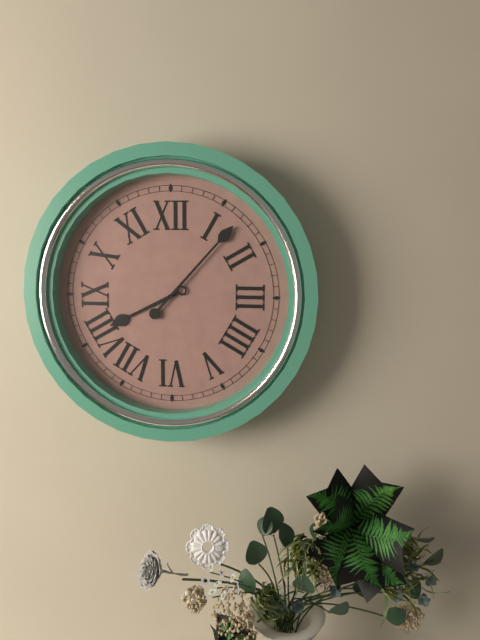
8:07
